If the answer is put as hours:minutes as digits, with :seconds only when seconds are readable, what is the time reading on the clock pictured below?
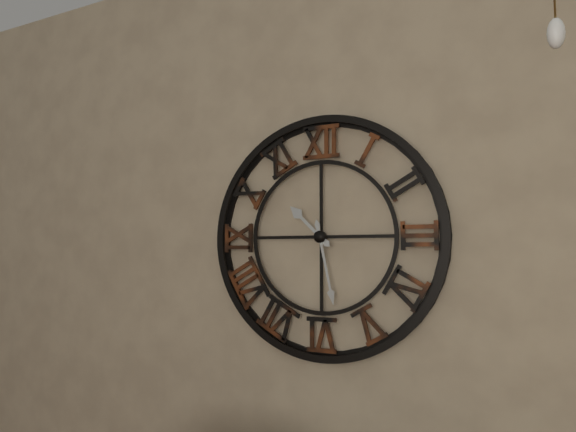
10:28
